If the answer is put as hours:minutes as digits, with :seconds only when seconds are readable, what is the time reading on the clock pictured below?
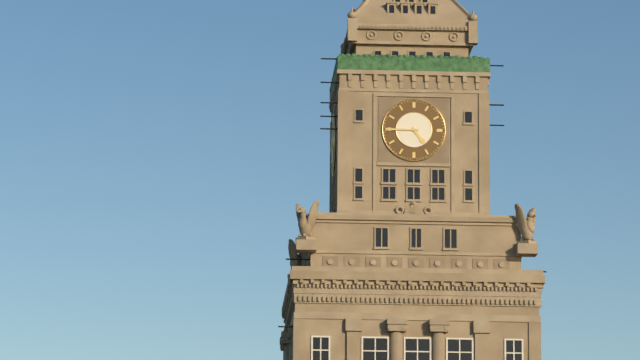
4:45
